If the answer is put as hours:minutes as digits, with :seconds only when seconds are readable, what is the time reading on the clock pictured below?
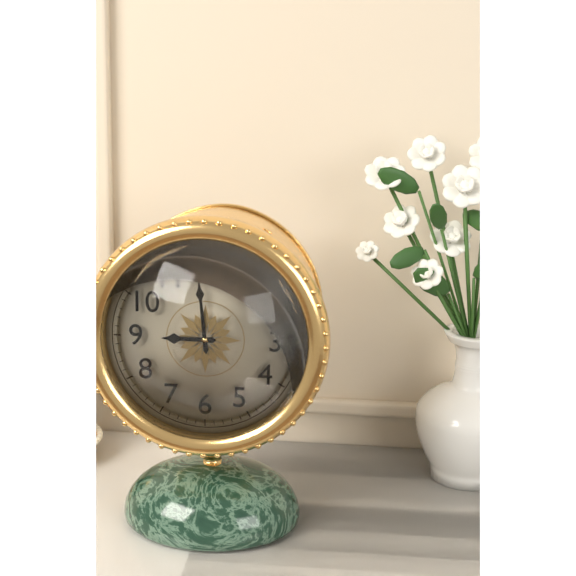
8:59
